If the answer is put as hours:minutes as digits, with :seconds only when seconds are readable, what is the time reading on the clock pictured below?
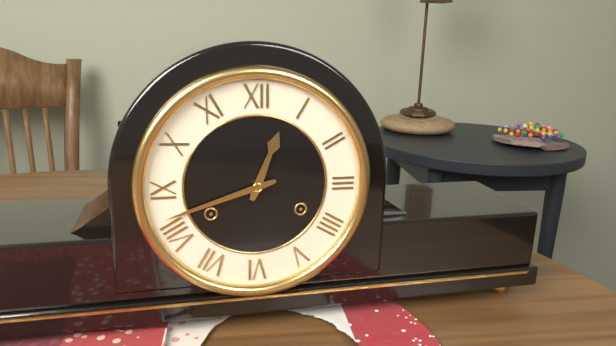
12:42
